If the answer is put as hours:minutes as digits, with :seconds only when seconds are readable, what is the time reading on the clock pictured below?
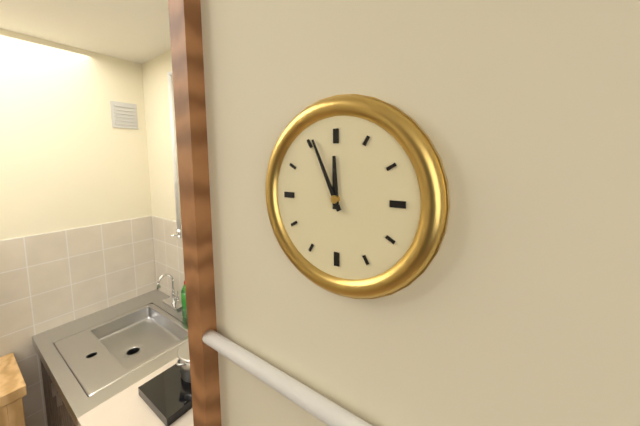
11:56
